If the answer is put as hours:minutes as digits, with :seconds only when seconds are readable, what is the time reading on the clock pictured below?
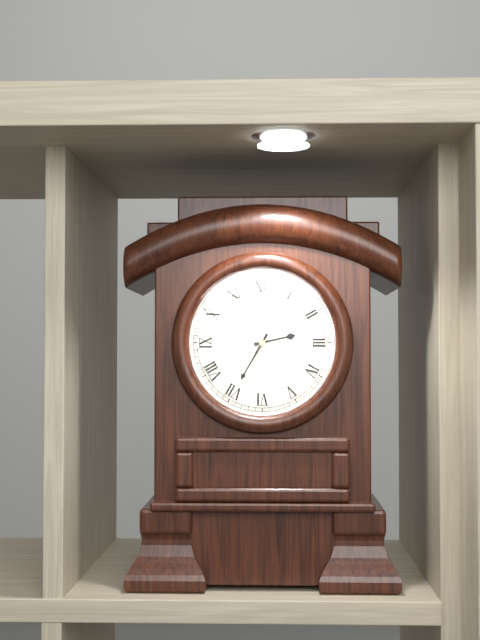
2:35
